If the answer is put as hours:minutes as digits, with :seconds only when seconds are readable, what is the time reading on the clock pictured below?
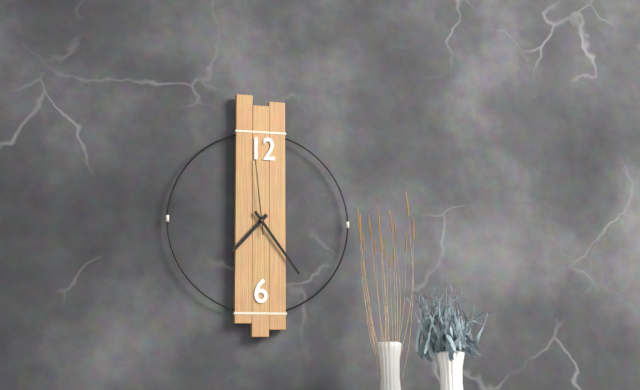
7:24:59
